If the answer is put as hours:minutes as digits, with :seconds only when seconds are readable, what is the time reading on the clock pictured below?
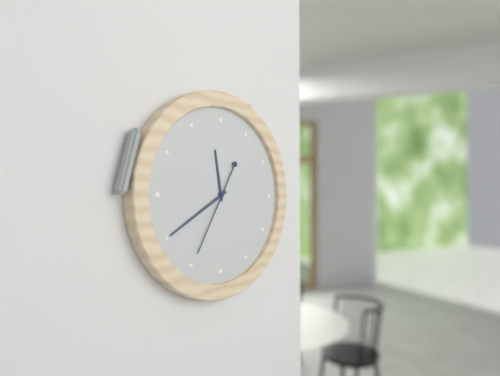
11:40:35
